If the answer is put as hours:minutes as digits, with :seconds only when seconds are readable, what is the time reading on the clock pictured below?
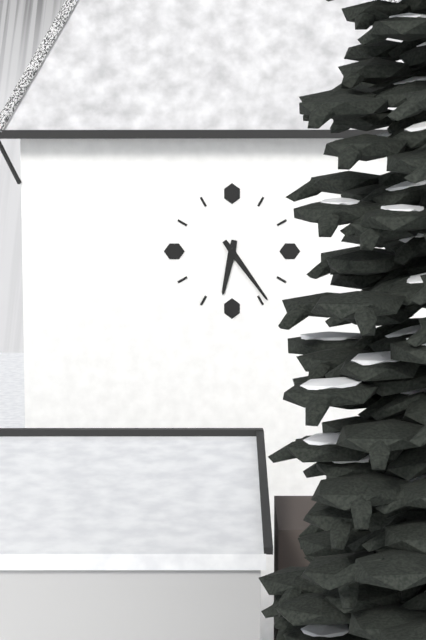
6:24
